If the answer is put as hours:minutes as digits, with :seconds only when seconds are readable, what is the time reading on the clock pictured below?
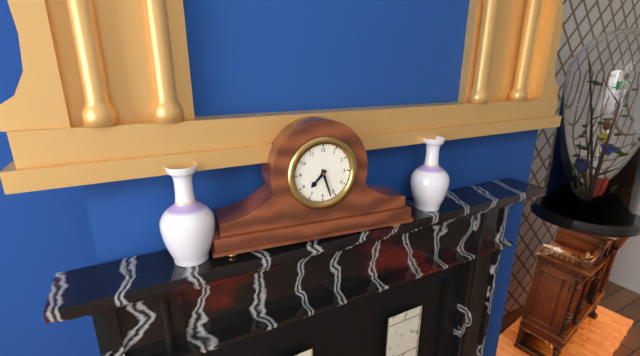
7:27
